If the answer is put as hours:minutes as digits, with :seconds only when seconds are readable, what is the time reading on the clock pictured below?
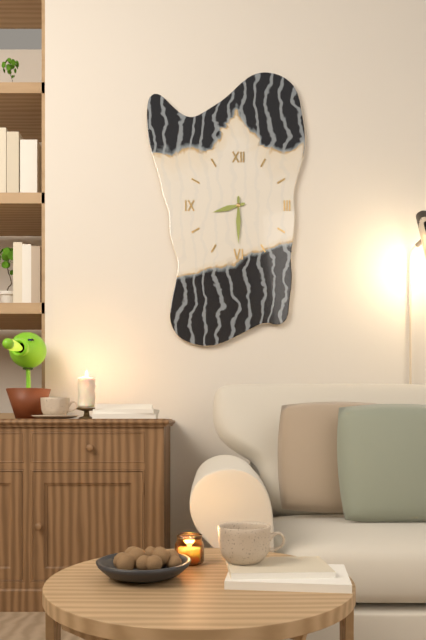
8:30
